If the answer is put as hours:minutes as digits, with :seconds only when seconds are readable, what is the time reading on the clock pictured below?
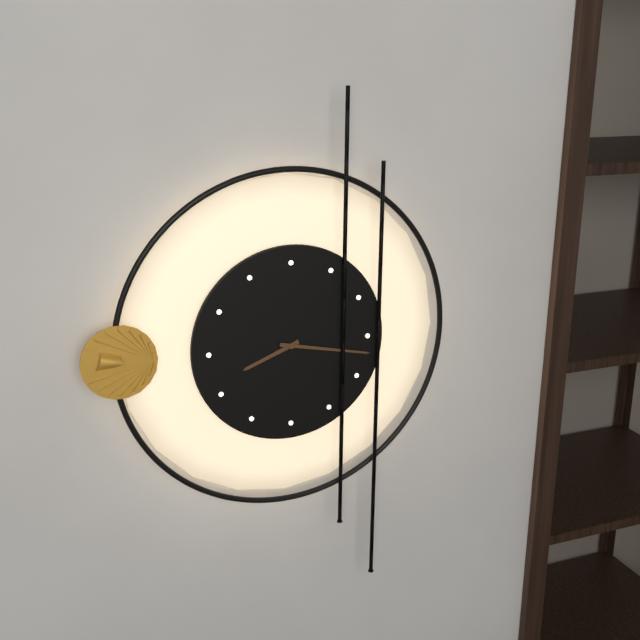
8:17
